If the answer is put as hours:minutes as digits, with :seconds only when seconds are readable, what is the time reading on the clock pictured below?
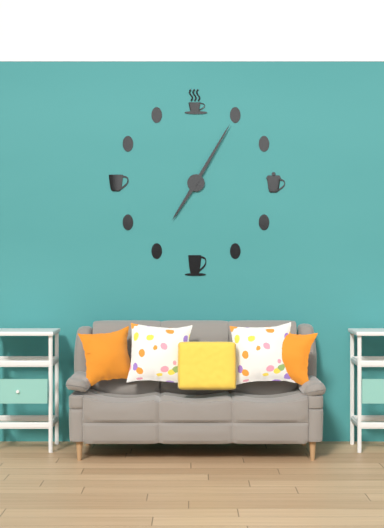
7:05
